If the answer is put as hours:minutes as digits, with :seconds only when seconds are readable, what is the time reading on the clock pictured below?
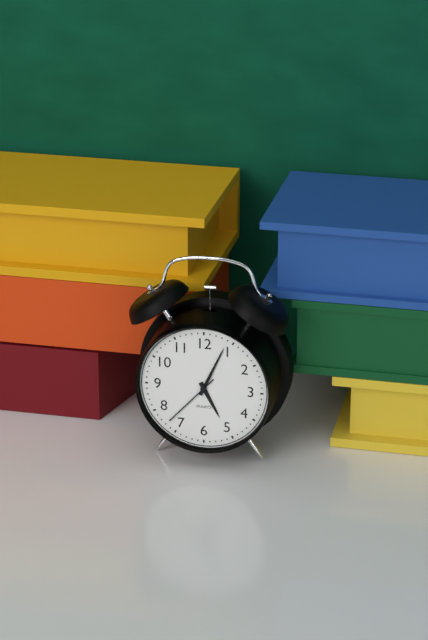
5:04:37
